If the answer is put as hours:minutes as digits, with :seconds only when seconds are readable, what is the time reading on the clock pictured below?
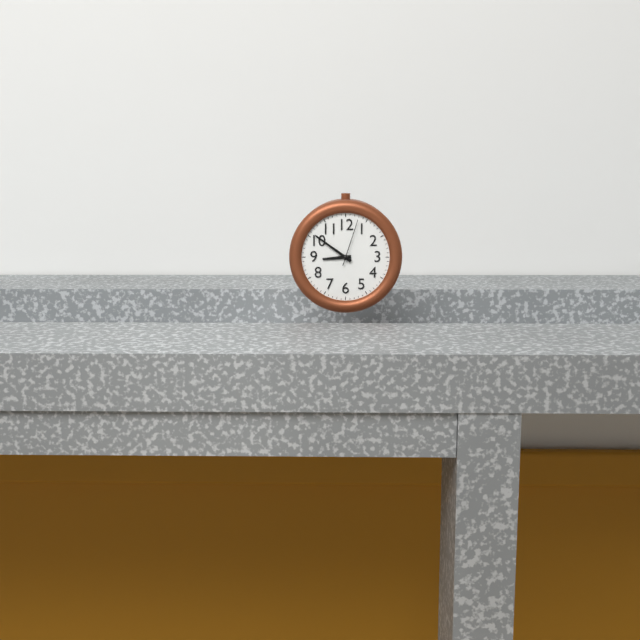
8:51
